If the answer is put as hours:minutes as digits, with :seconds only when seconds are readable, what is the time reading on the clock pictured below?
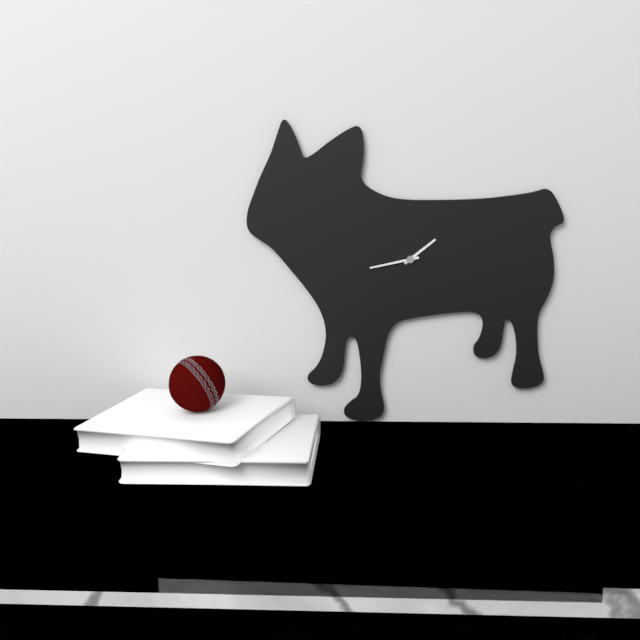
1:43
